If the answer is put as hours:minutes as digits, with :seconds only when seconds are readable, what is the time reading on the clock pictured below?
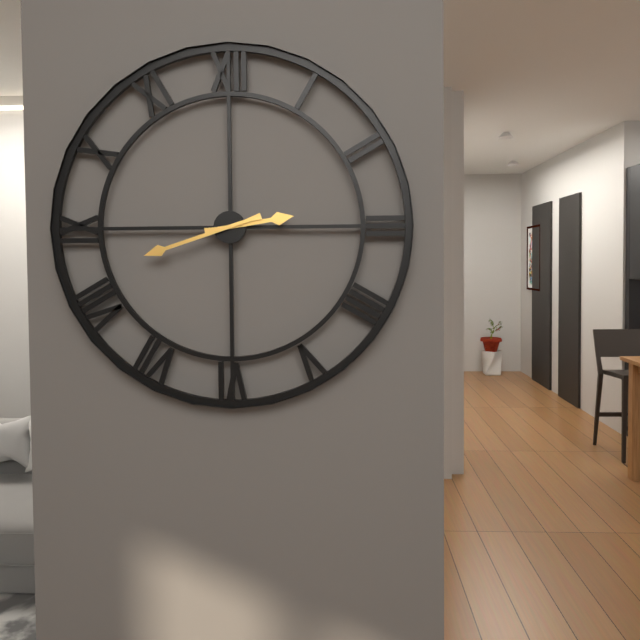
2:42
